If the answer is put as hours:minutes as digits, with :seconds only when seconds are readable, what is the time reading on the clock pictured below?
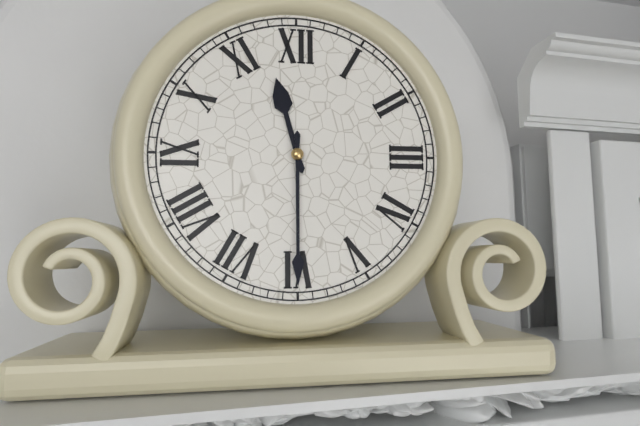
11:30
